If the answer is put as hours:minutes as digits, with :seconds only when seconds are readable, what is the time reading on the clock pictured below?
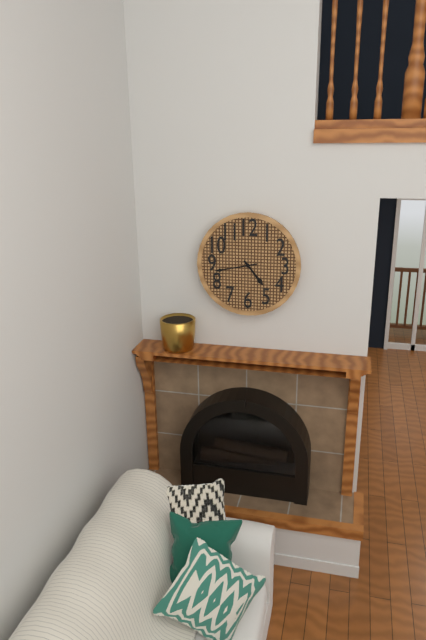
4:43
